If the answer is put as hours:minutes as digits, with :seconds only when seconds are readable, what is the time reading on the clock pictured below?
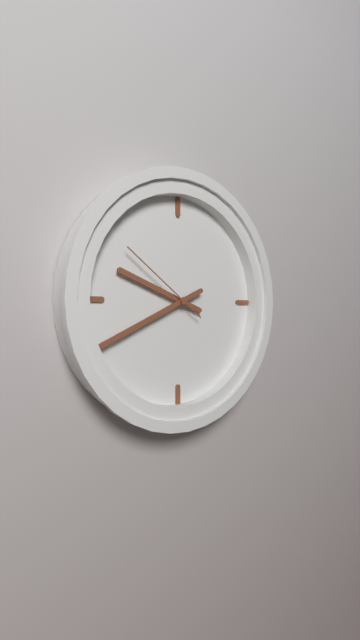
9:41:51
